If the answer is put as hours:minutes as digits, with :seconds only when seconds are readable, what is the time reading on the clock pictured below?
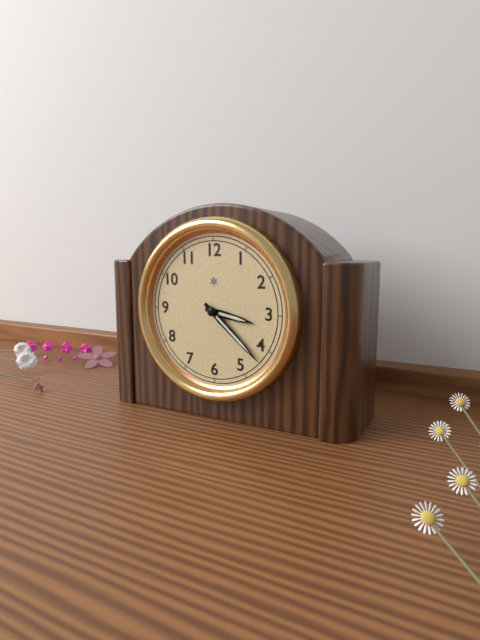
3:22
